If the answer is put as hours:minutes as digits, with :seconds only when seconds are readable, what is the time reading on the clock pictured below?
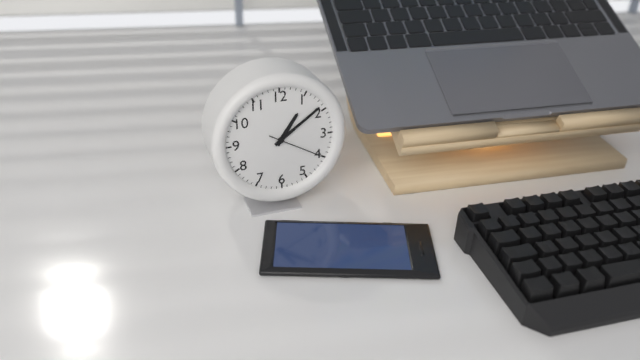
1:09:20
